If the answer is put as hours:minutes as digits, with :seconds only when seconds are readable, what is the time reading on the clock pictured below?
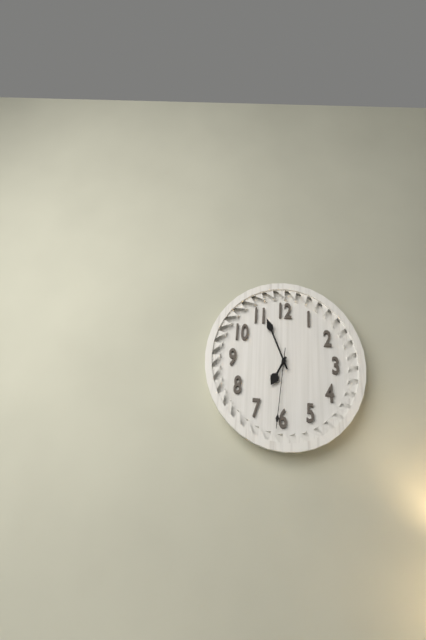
6:56:31
